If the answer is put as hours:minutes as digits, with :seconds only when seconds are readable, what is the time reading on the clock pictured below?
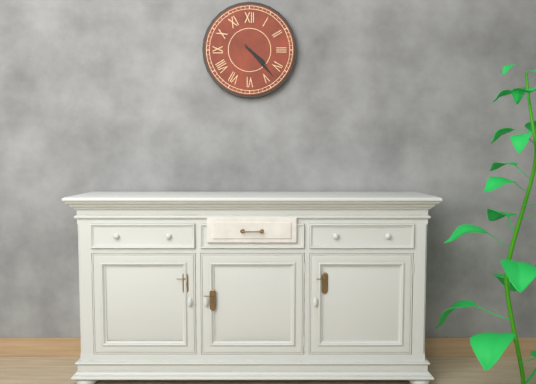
4:23
